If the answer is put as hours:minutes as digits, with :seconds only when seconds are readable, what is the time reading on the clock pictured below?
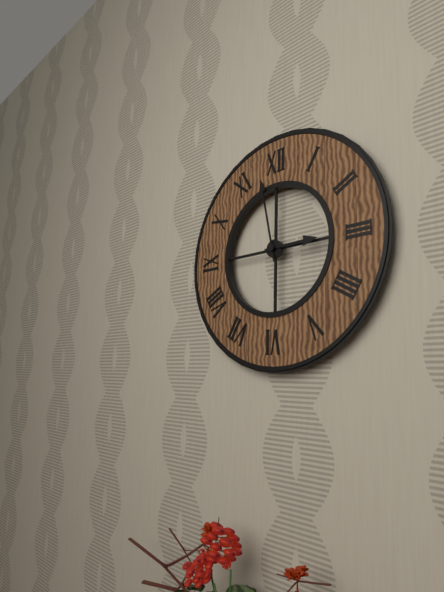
2:58
